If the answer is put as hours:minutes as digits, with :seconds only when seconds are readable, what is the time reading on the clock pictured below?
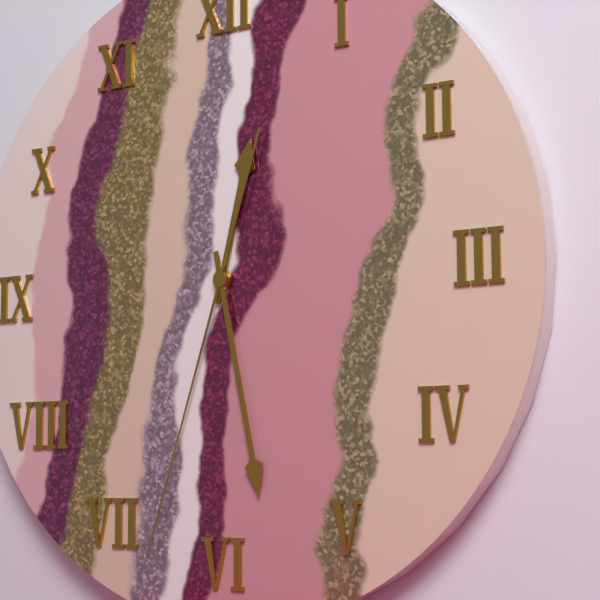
12:28:33
